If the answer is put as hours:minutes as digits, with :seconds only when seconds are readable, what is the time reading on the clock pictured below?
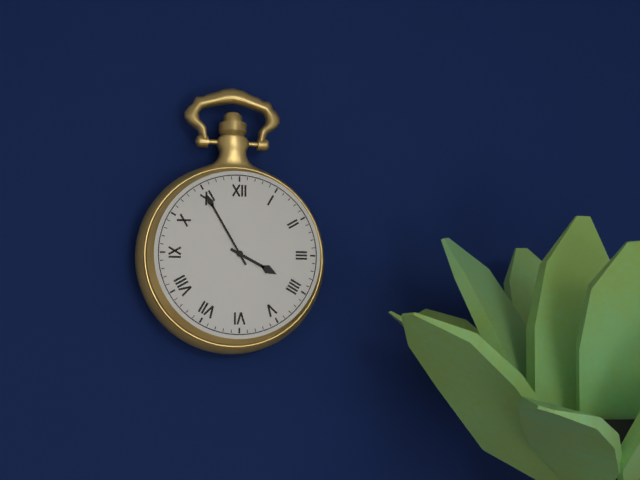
3:55
